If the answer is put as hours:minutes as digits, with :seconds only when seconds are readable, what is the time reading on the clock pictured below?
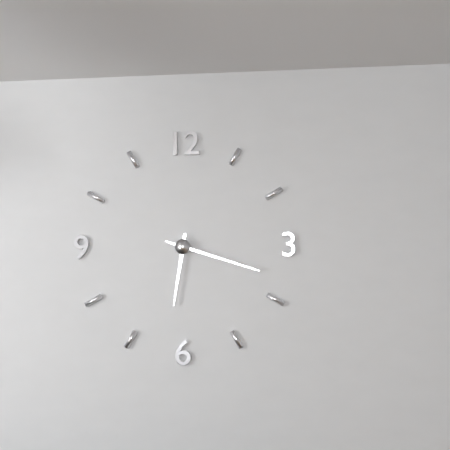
6:18
